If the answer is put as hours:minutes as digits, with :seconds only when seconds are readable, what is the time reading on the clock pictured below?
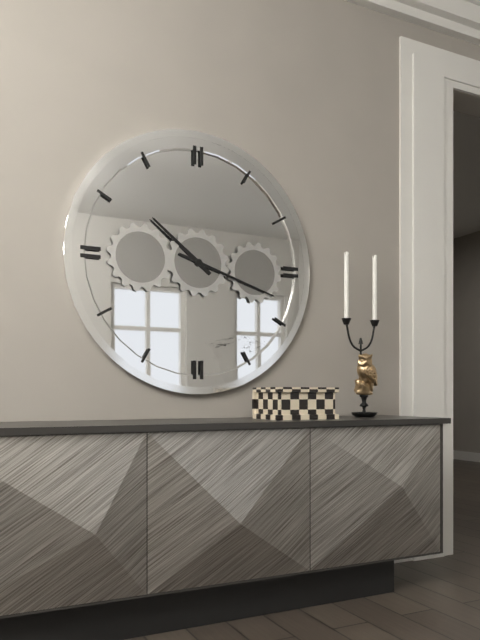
10:18
